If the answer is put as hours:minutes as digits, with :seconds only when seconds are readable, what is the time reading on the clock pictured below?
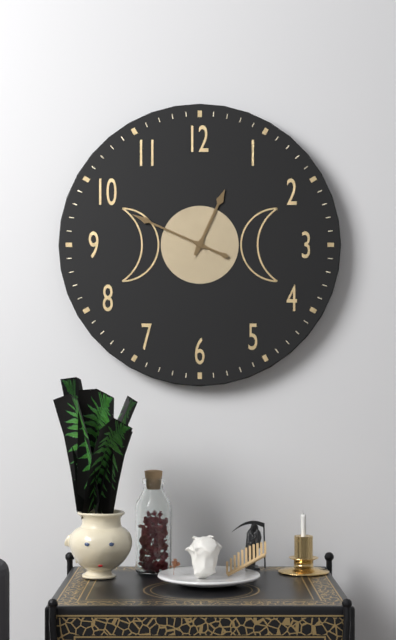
12:49
